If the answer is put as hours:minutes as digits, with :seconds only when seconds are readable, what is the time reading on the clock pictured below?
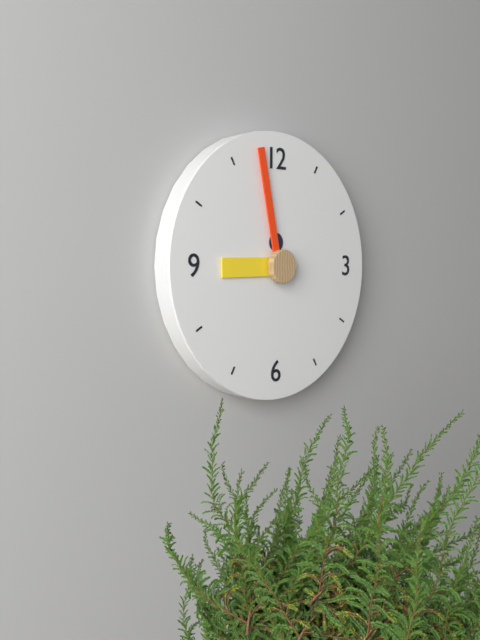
8:58
